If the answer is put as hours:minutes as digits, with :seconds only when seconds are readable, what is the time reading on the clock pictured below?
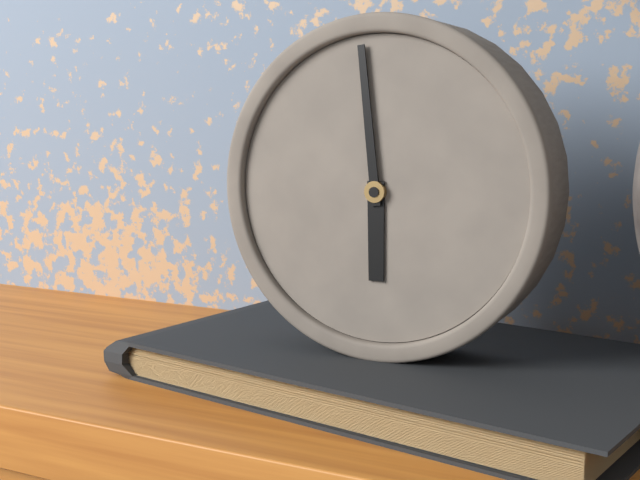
5:59
